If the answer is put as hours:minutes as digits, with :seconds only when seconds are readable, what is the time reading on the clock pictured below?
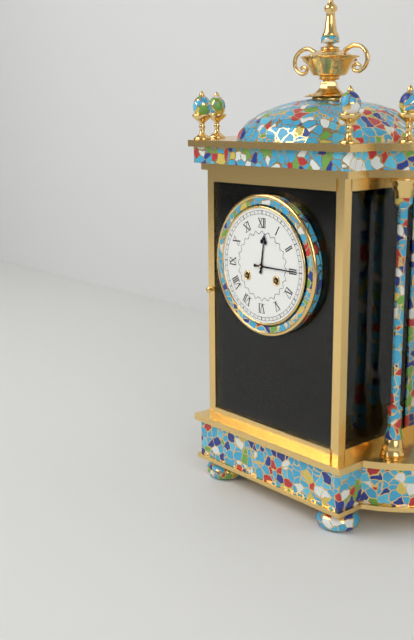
12:15
